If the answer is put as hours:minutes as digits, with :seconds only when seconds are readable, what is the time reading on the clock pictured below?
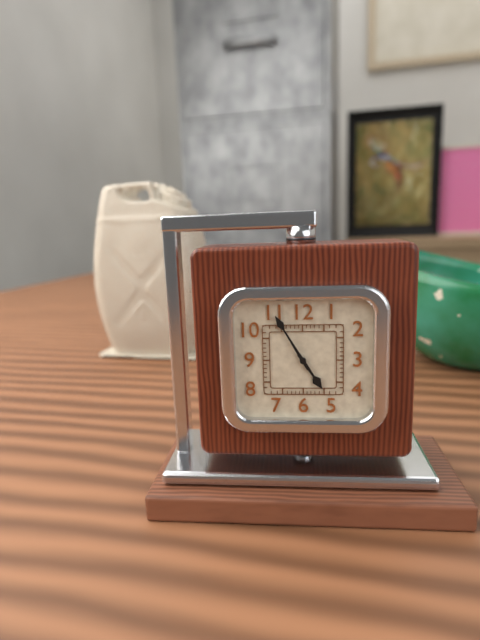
4:55
